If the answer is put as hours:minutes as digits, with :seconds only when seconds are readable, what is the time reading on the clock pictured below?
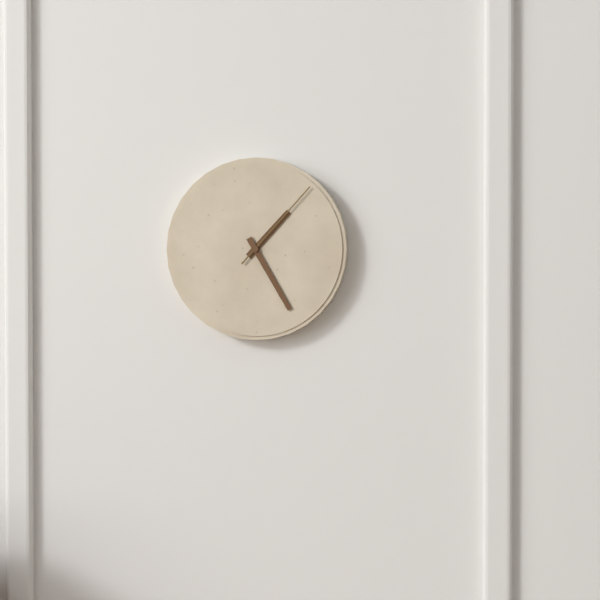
1:25:07
